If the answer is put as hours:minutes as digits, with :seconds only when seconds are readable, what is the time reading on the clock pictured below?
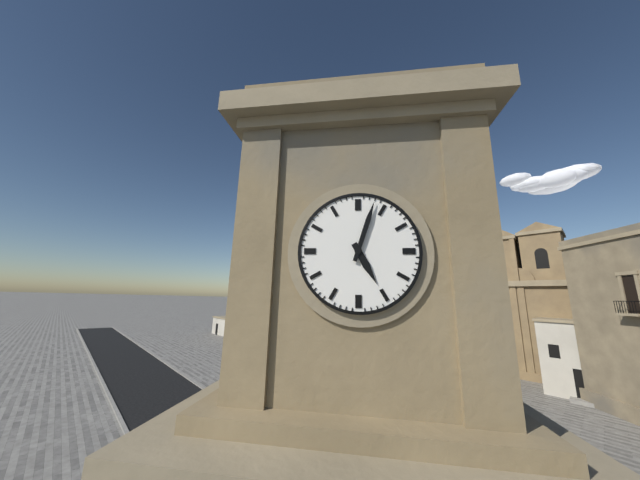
5:03
